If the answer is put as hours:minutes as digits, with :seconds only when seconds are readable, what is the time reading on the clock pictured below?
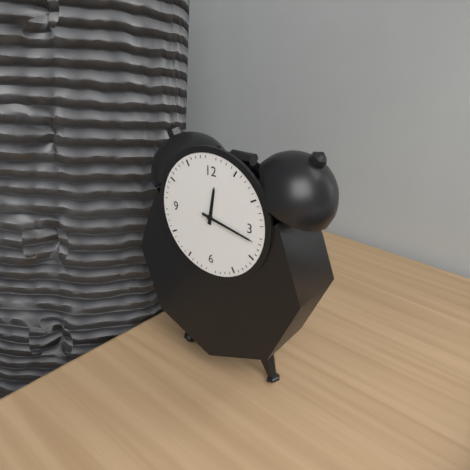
12:17
